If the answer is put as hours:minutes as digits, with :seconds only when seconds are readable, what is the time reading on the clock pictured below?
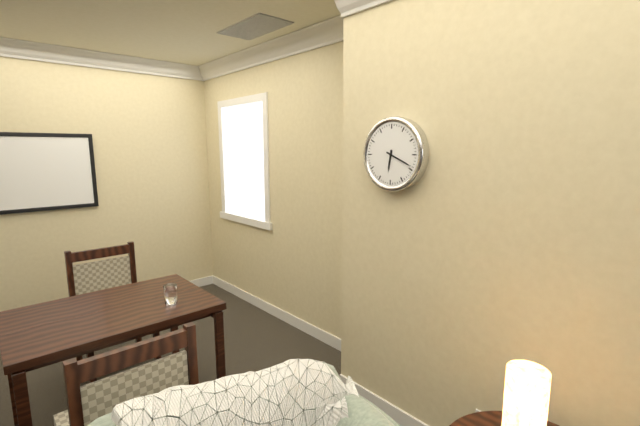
6:19
